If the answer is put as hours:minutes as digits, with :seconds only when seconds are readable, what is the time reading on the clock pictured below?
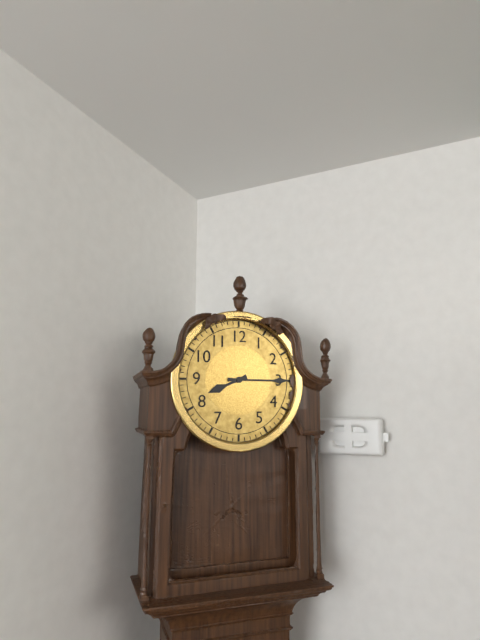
8:15
